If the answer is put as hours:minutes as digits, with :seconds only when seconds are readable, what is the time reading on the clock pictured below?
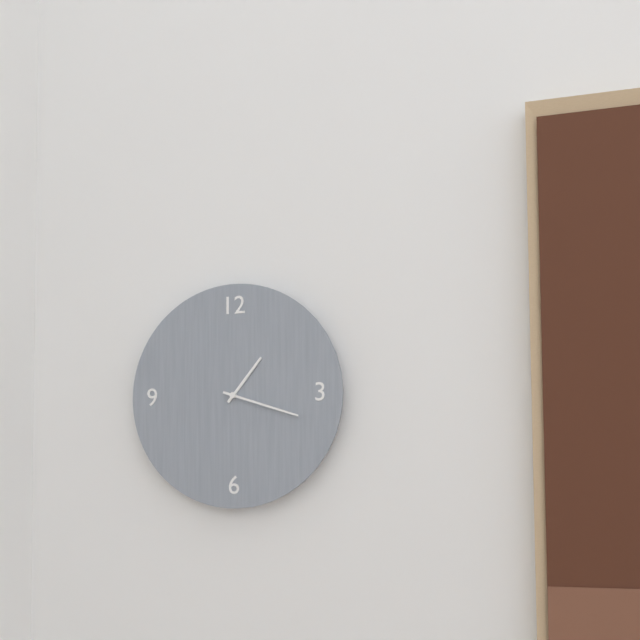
1:18
